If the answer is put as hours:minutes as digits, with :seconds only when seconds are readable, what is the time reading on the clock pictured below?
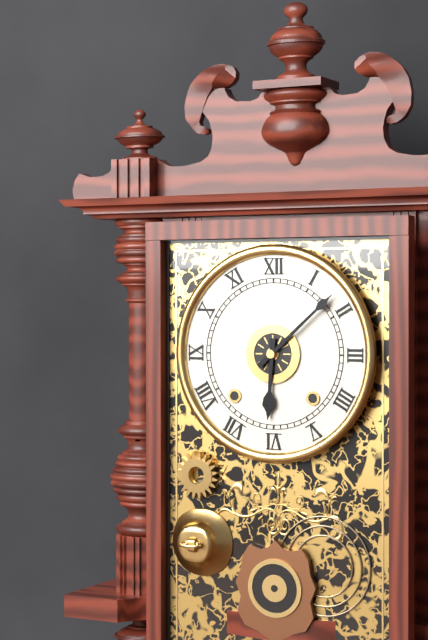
6:08
